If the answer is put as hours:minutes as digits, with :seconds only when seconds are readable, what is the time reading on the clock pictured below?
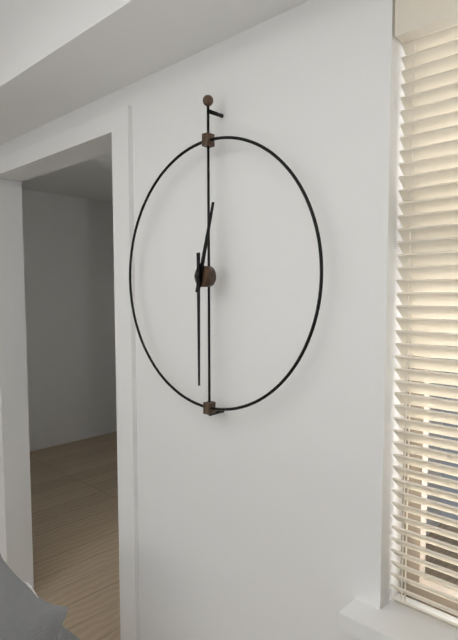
12:30
